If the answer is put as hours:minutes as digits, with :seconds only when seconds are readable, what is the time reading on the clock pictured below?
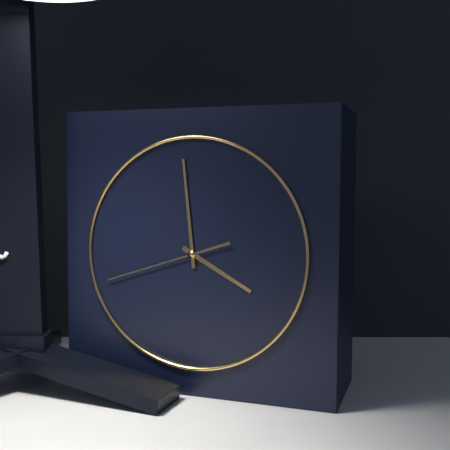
3:59:42
